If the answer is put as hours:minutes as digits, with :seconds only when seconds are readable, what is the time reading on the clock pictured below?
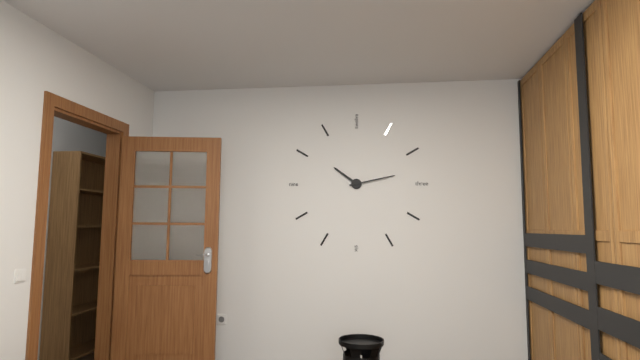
10:13
